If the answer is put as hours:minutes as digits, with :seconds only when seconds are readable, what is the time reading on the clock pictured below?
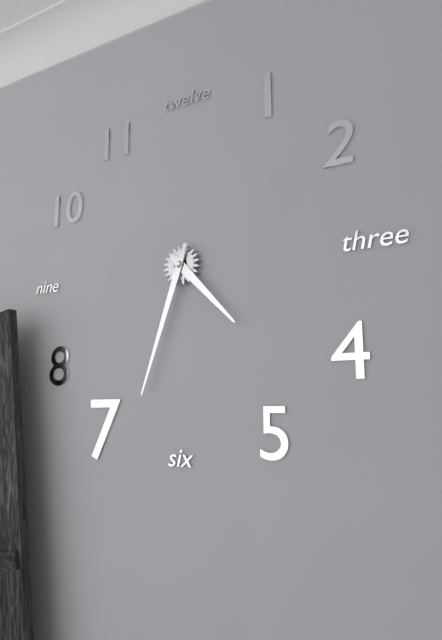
4:33
